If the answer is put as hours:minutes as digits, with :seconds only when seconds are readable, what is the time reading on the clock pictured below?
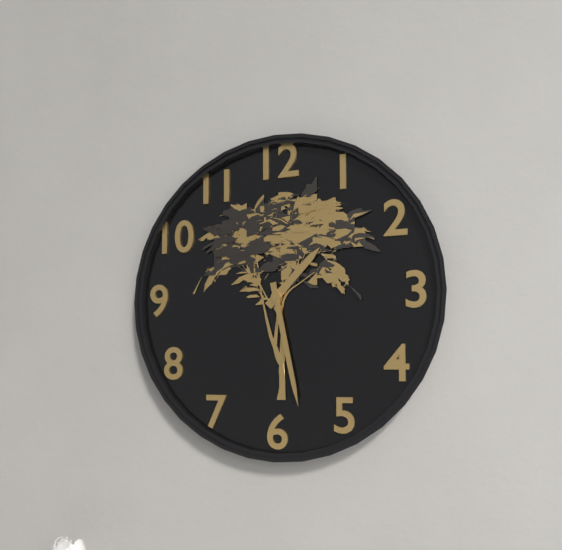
1:28
